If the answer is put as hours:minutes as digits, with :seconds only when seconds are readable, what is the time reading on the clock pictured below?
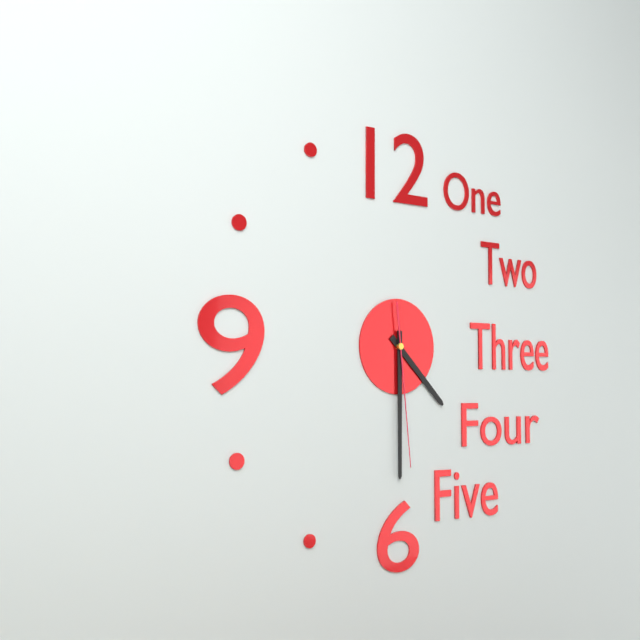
4:30:29
